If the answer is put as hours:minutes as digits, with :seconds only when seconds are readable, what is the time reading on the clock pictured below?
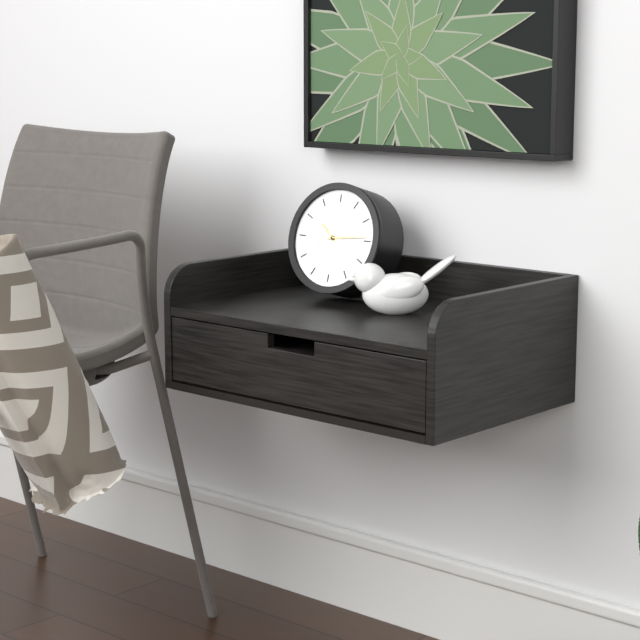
10:14
